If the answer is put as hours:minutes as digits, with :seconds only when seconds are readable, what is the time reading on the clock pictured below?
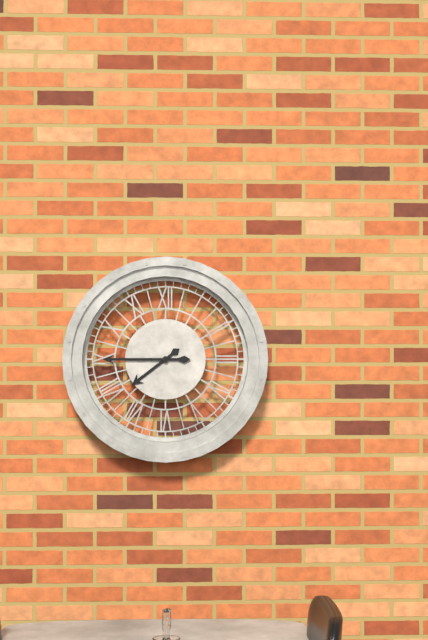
7:45
